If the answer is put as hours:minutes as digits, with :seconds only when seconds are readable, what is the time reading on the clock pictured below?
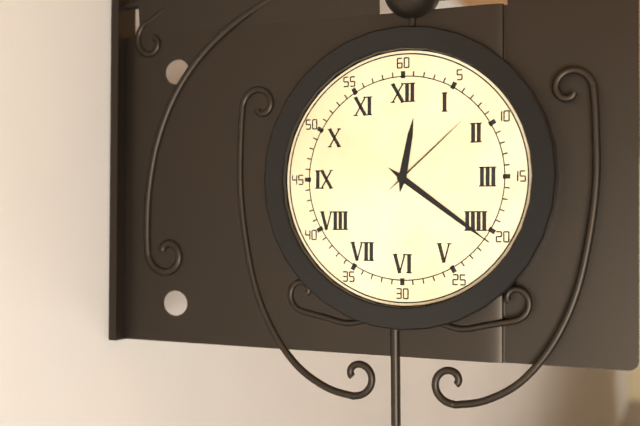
12:21:08
